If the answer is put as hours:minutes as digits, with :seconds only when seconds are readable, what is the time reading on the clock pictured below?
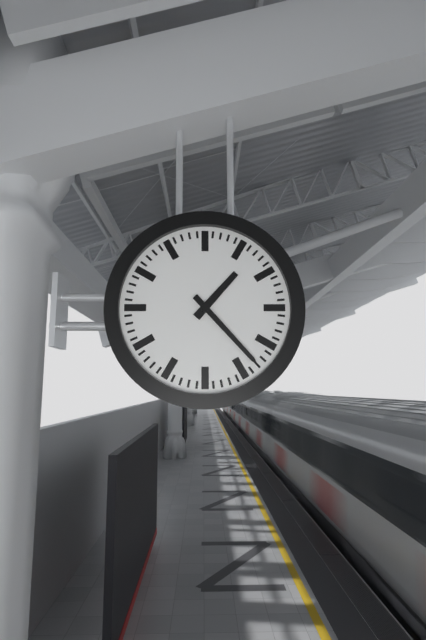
1:23
